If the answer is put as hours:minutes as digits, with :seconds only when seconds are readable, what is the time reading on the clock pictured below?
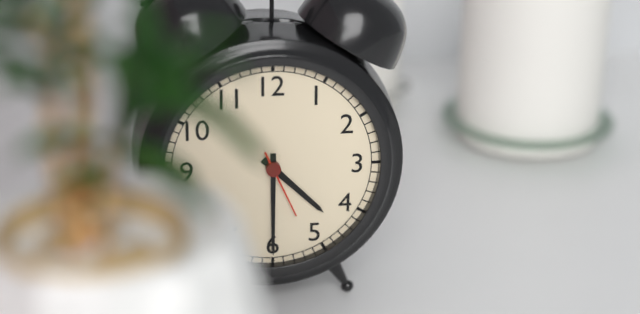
4:30:26
